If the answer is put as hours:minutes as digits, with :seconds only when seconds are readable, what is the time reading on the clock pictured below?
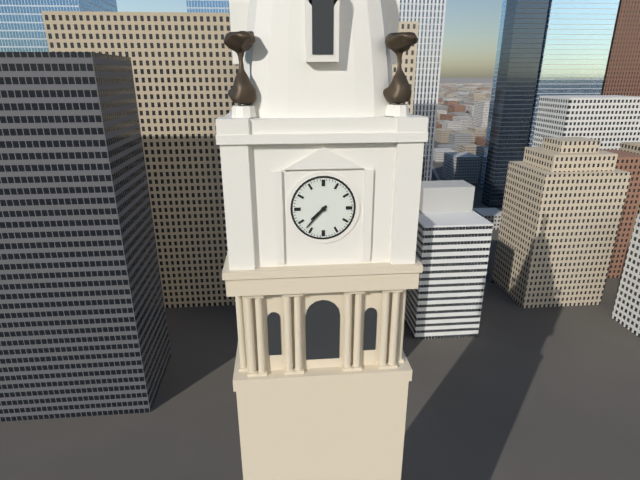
7:37
